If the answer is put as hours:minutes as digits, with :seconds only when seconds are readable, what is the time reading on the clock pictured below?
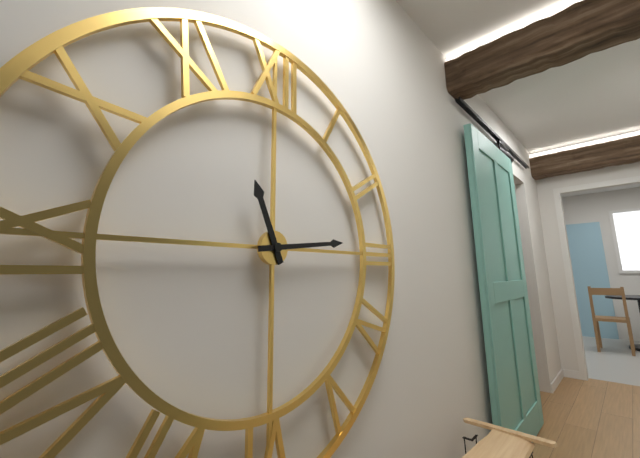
11:14
